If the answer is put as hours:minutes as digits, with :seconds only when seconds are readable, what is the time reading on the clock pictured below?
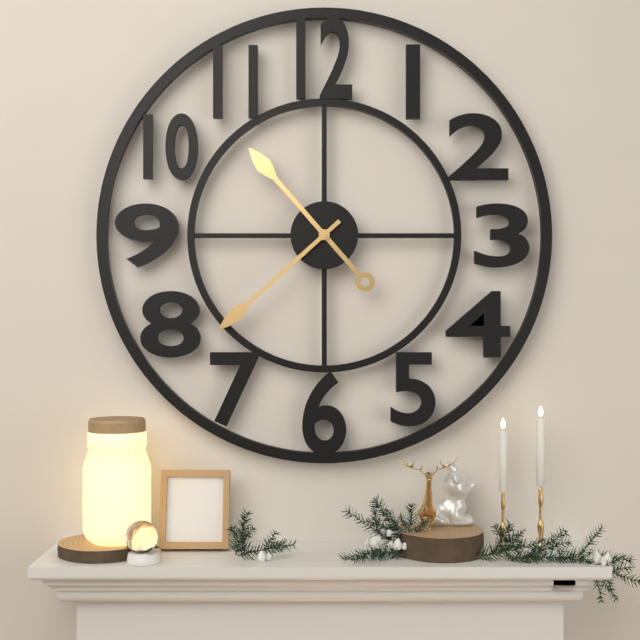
10:38
